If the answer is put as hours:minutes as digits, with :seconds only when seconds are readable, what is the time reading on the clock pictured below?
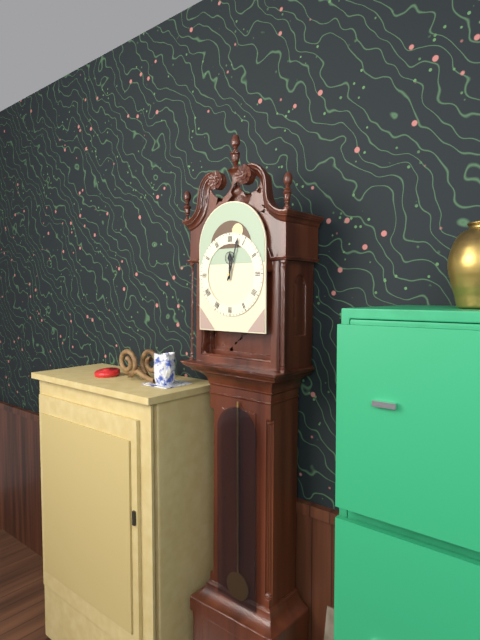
12:03
